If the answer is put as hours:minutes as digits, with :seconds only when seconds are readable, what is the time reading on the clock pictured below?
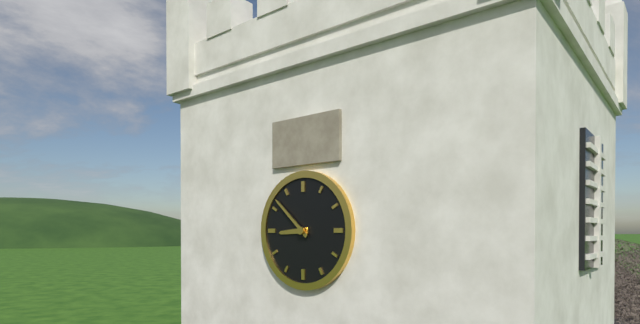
8:52
